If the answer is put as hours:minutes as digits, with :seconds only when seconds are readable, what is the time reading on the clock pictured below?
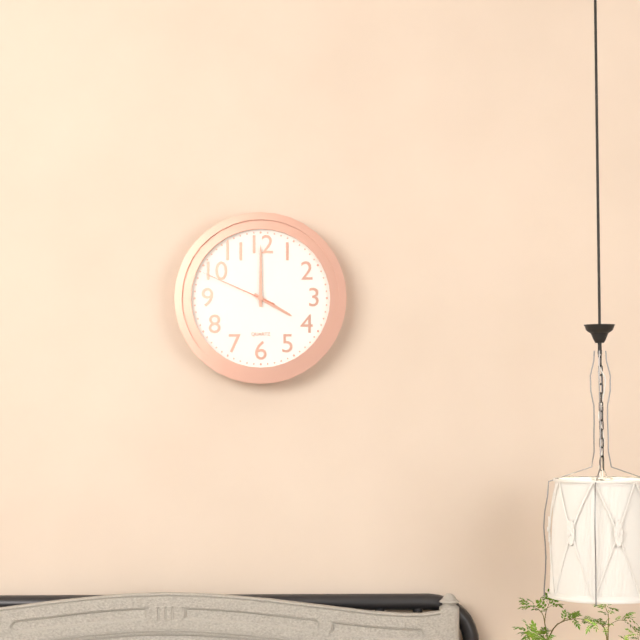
4:00:49
